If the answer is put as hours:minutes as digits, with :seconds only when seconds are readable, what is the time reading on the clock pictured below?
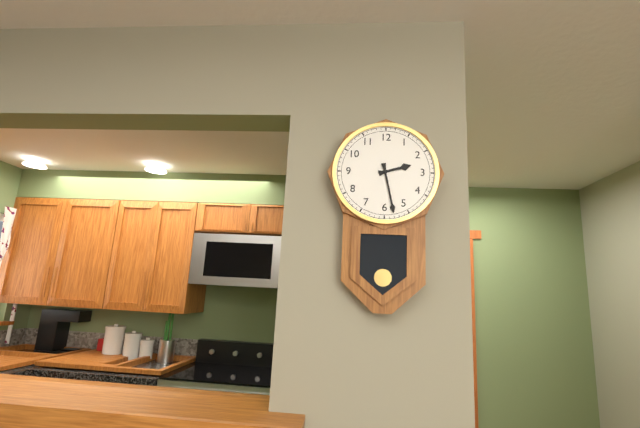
2:28
